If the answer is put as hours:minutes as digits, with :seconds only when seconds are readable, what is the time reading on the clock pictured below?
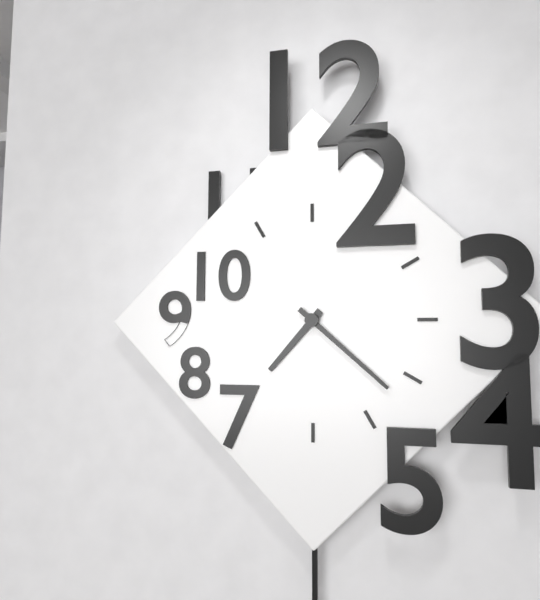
7:22
